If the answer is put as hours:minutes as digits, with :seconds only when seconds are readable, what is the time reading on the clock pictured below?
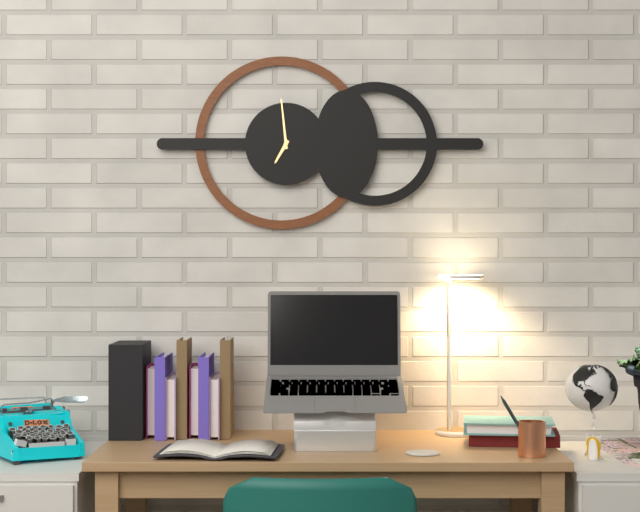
6:59
